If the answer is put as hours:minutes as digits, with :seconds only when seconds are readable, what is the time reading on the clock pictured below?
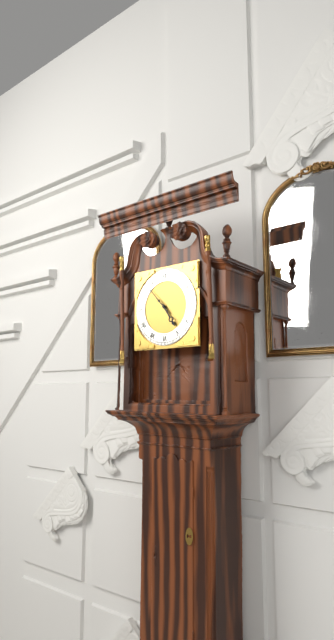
4:53
